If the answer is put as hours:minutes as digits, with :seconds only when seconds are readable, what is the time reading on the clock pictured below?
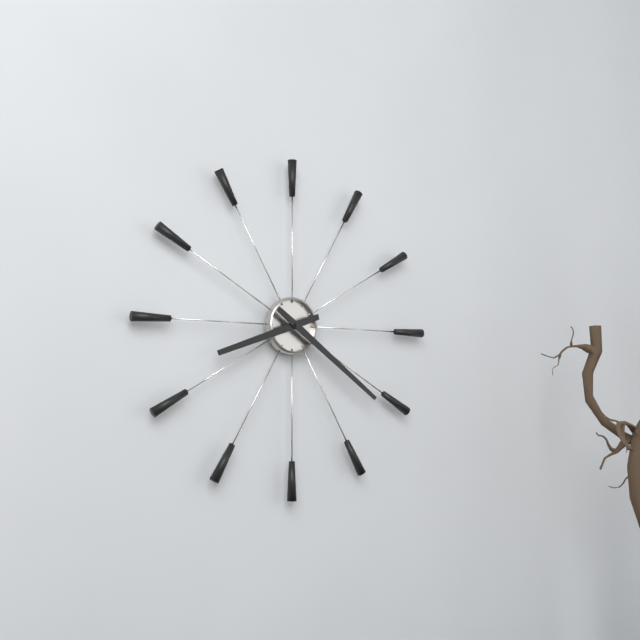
8:21
